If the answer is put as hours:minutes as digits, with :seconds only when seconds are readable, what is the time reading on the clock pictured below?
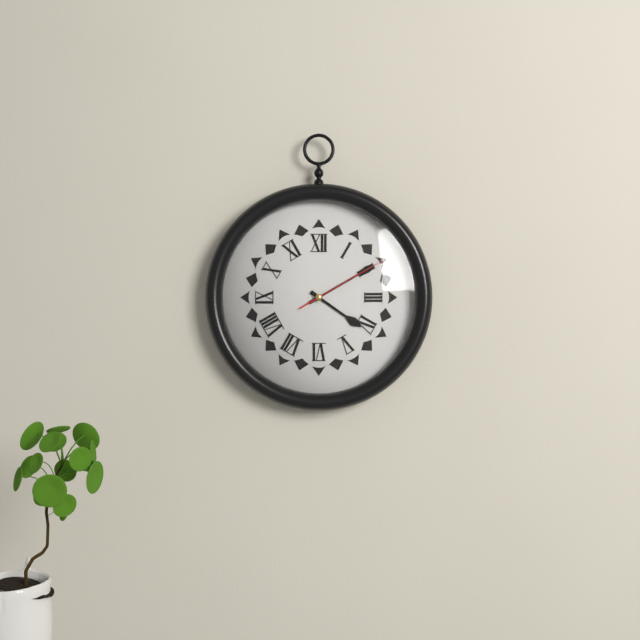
4:10:10
